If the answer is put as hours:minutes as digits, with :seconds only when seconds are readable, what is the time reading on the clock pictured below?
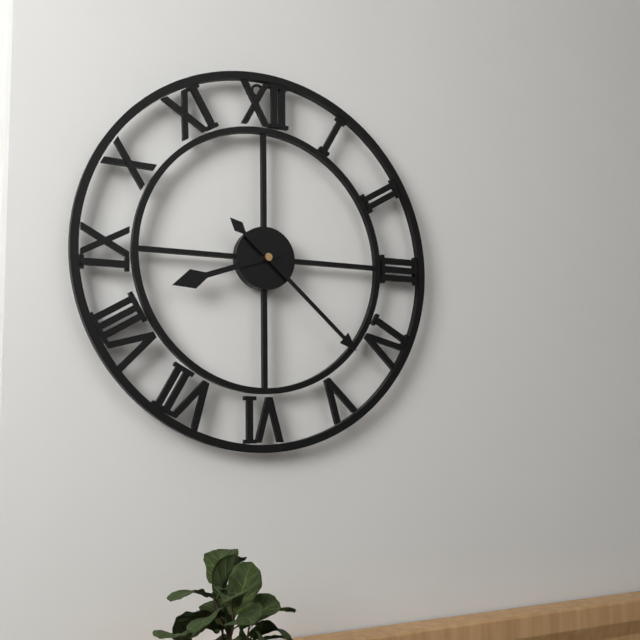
8:22
